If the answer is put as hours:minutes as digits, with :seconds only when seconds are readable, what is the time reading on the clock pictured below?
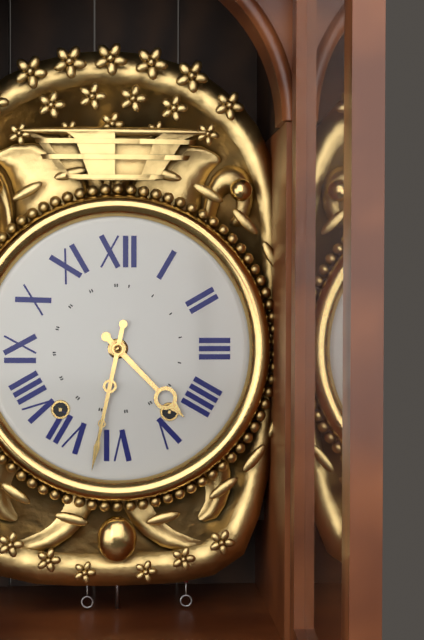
4:32
